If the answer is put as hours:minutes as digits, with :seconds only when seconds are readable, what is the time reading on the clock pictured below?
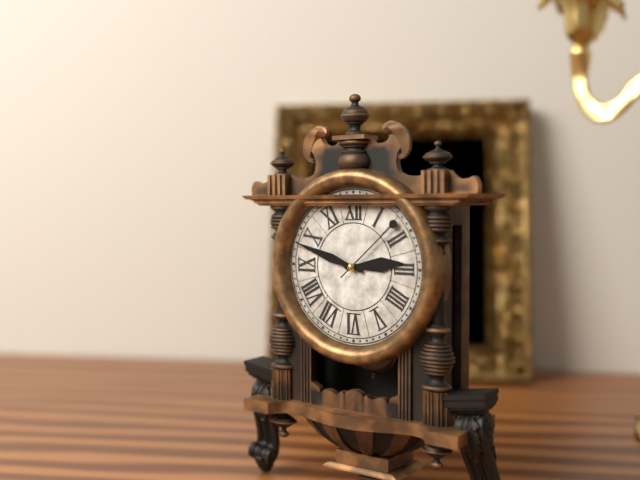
2:48:08
